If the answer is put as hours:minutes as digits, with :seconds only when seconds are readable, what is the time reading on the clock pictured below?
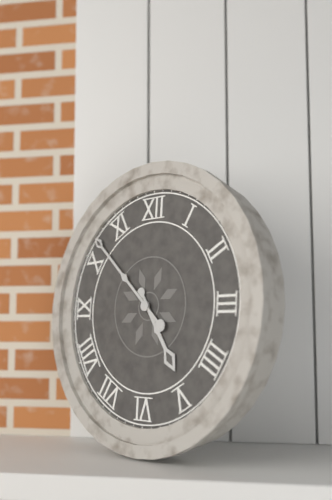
4:52
